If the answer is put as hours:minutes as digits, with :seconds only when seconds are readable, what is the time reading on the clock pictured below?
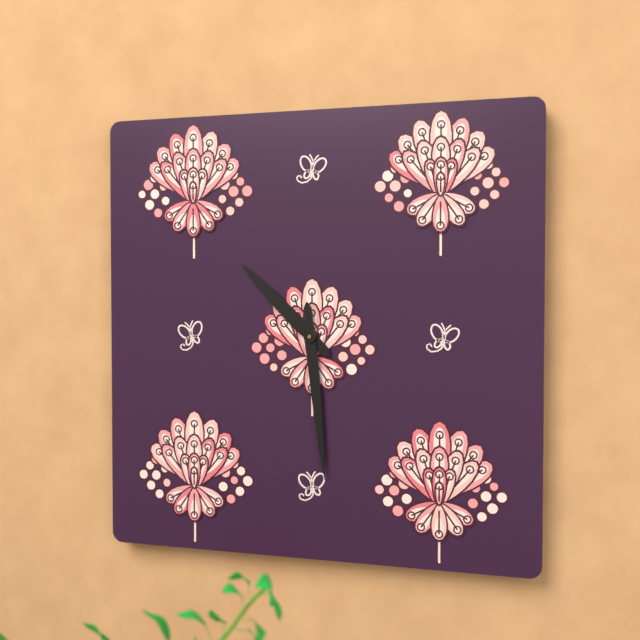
10:29
